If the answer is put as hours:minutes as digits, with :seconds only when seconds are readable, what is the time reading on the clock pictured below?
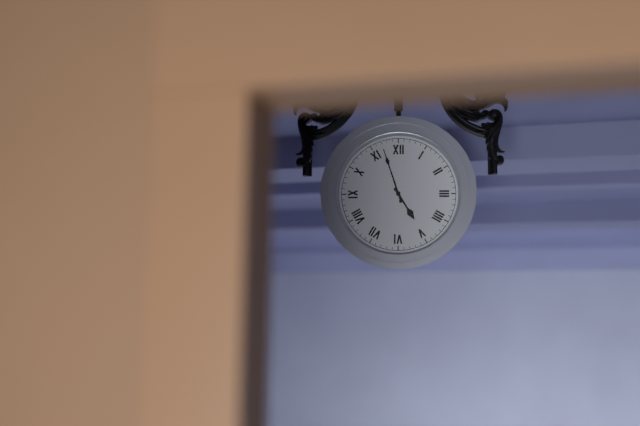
4:57
